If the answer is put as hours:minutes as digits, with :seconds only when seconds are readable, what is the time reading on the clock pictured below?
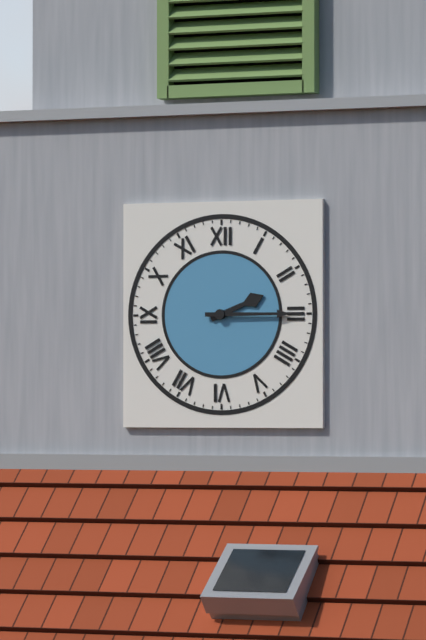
2:15
